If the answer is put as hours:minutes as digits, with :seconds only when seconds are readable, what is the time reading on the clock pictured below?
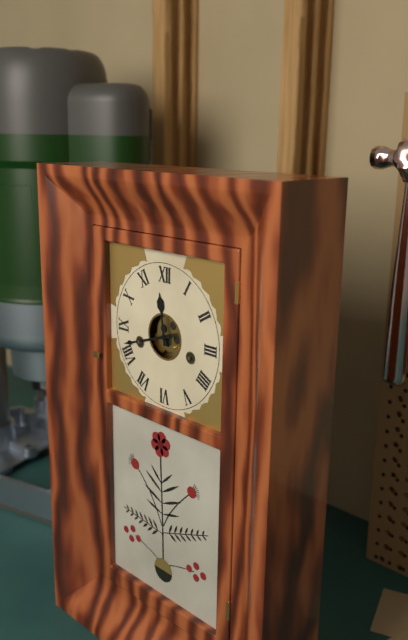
11:42
